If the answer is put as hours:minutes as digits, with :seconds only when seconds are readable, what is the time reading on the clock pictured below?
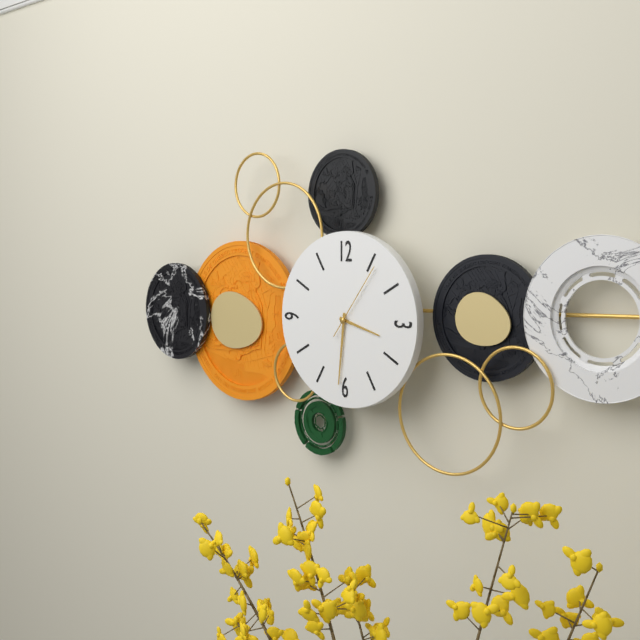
3:31:06
